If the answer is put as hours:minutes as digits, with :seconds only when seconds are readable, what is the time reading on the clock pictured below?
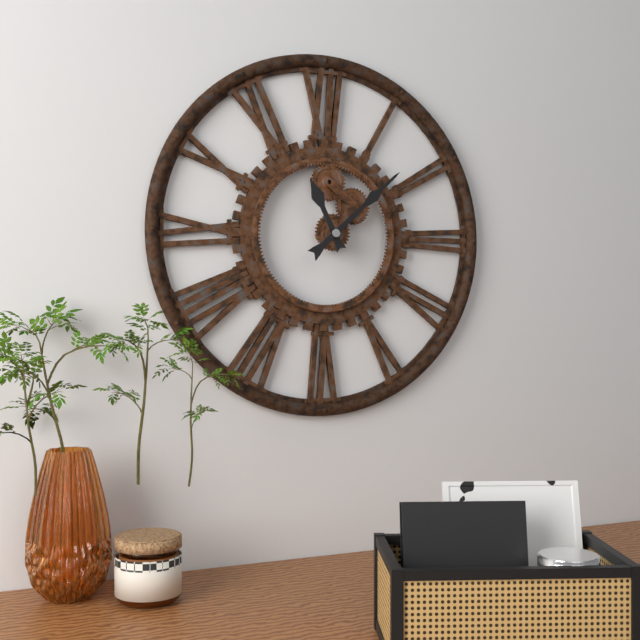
11:08
